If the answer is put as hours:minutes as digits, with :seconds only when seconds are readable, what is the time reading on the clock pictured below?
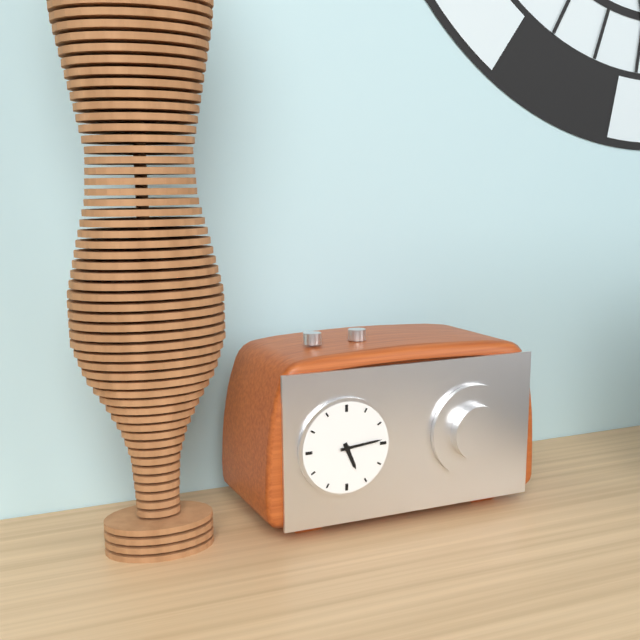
5:14
